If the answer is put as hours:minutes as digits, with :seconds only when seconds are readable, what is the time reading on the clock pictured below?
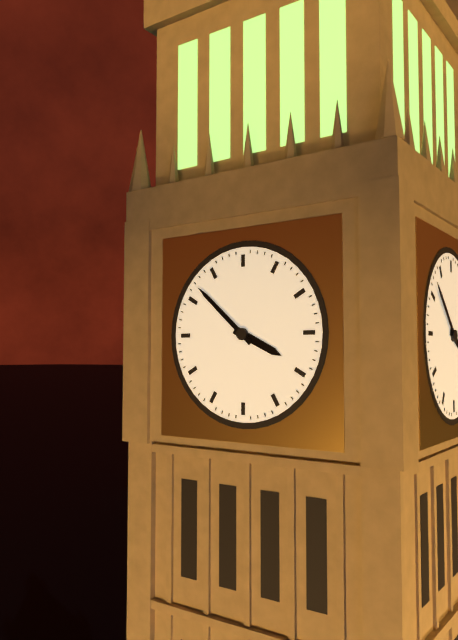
3:52
